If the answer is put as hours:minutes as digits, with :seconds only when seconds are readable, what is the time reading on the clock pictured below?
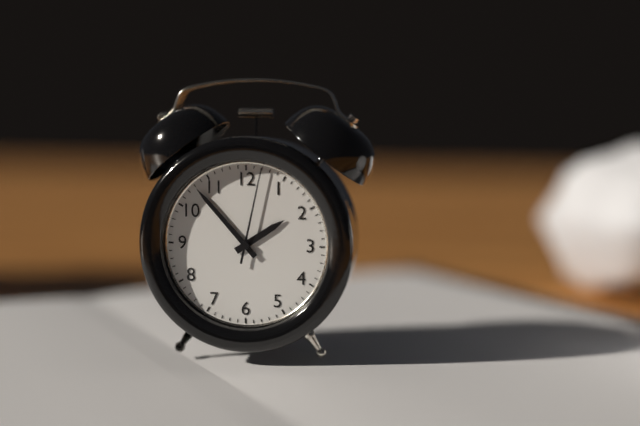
1:53:02
